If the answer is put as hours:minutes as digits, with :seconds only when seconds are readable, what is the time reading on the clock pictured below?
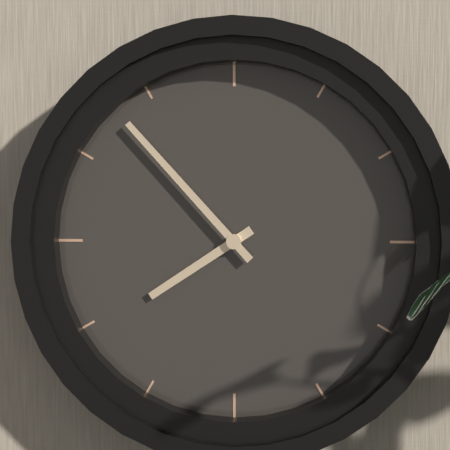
7:53
